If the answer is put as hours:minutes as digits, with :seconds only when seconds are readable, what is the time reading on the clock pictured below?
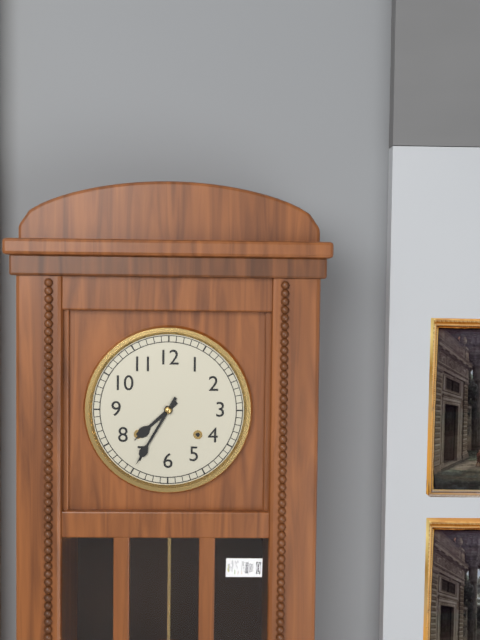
7:35
